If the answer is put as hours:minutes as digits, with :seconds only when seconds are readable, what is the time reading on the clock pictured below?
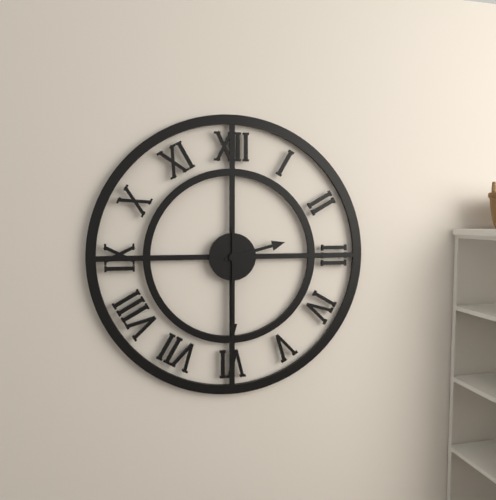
2:30
